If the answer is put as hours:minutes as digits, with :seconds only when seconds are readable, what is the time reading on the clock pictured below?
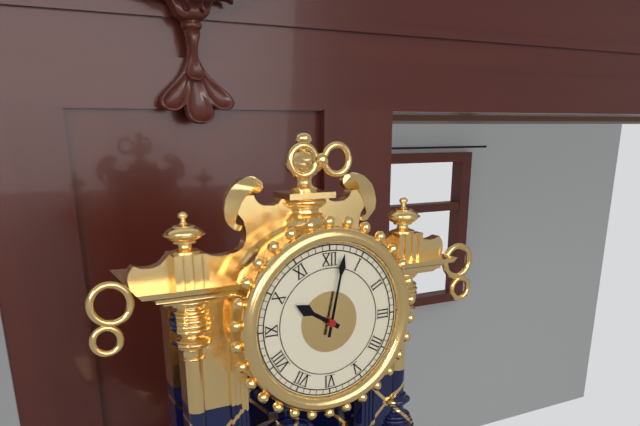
10:02
